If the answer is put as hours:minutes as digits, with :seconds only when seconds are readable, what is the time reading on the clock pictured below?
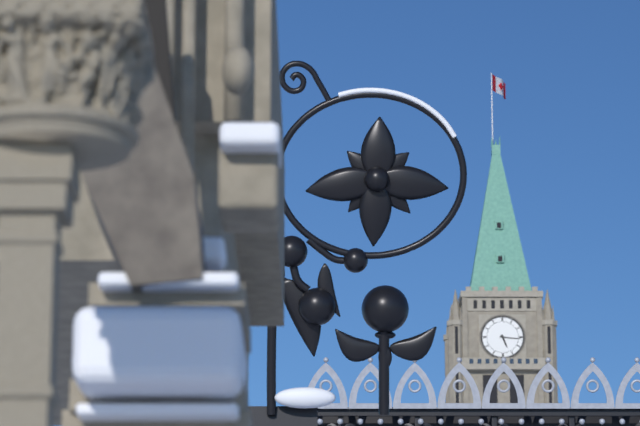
5:16
